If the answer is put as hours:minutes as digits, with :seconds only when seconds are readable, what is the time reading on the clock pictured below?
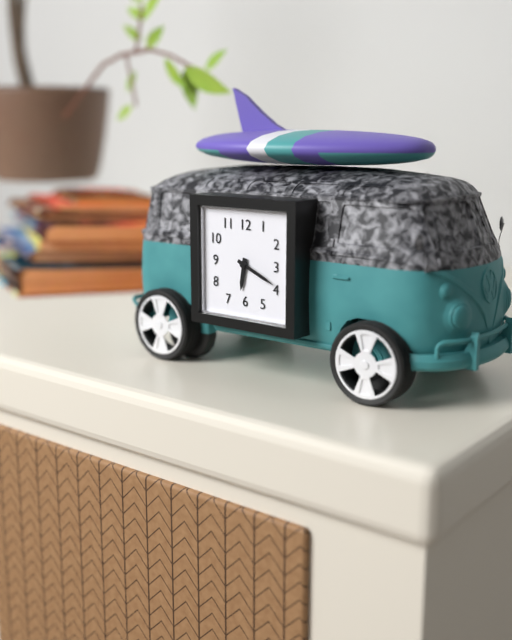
6:19
